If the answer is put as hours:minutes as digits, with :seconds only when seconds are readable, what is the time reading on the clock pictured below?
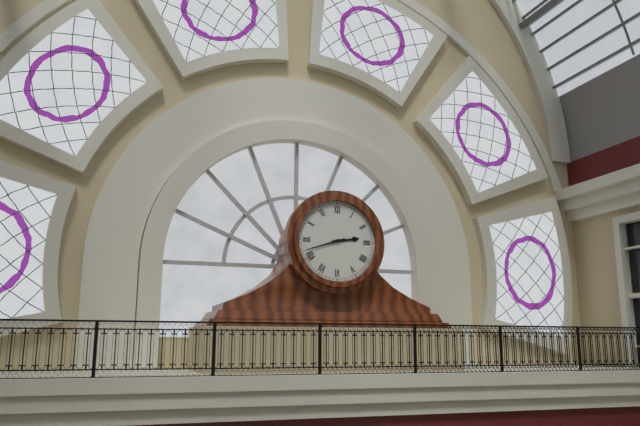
2:42
